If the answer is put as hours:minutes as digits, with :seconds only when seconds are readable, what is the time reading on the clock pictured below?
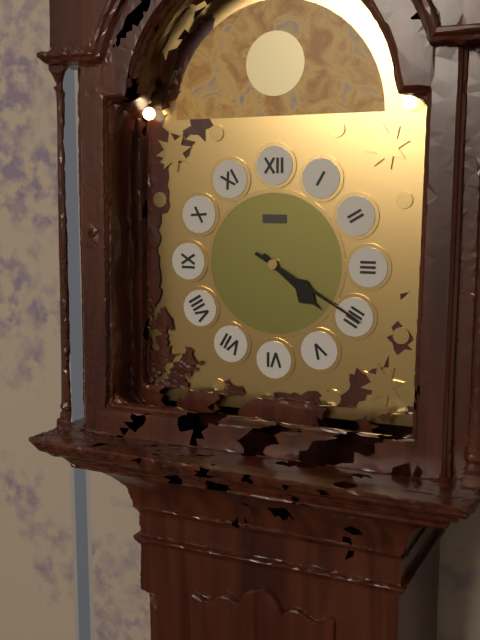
4:20
